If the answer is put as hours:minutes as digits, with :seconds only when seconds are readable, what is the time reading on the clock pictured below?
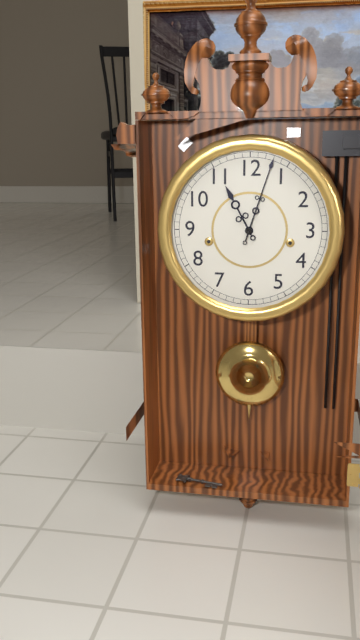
11:03
